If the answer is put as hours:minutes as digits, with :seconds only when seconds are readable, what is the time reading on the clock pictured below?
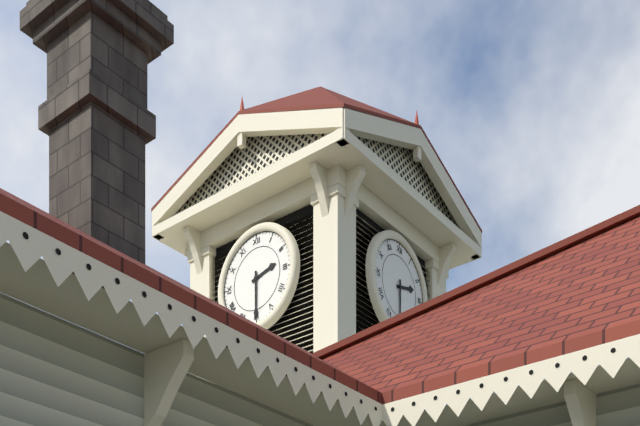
2:30
